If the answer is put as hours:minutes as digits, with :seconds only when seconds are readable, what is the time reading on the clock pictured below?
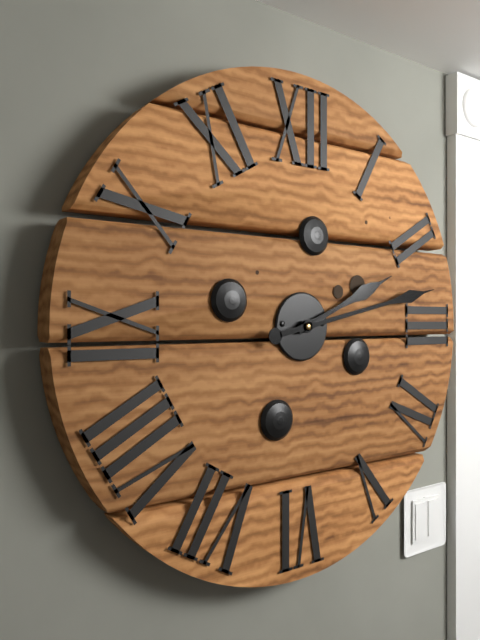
2:13
